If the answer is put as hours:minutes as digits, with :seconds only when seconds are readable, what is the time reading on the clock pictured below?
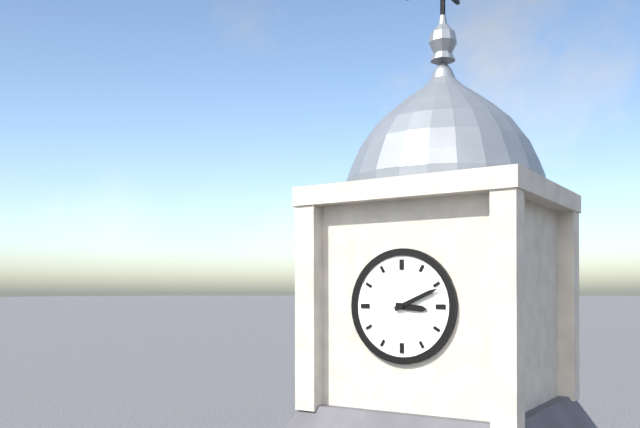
3:11
